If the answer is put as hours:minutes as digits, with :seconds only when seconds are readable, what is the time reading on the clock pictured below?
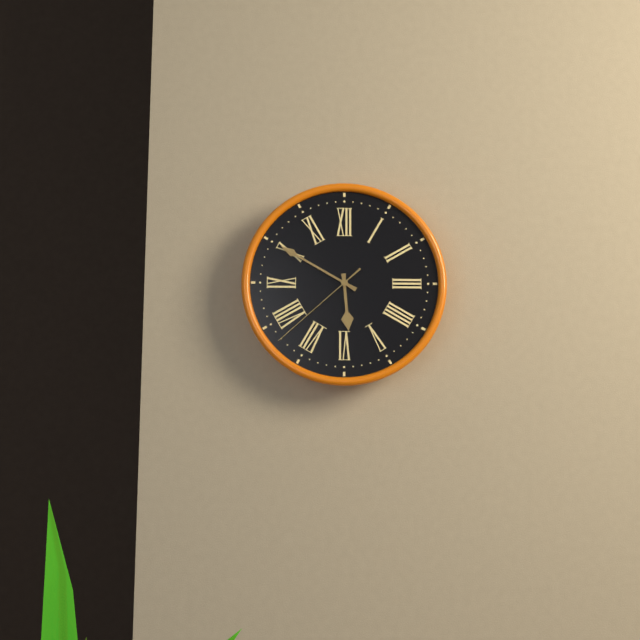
5:50:38
